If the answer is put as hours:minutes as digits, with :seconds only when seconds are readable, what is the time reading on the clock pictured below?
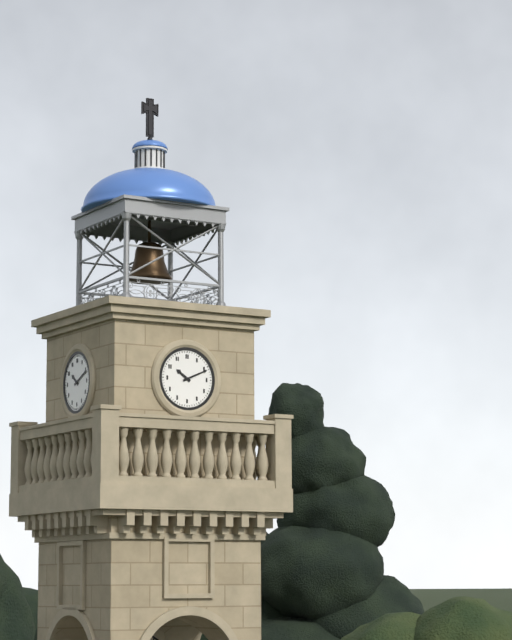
10:11
